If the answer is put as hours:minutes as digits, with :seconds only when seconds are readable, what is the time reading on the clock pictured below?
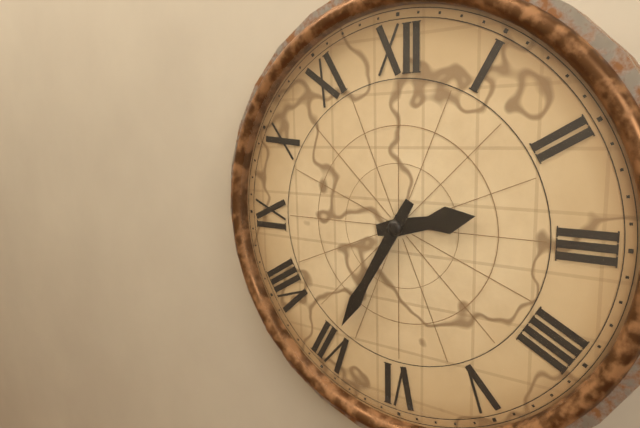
2:35
